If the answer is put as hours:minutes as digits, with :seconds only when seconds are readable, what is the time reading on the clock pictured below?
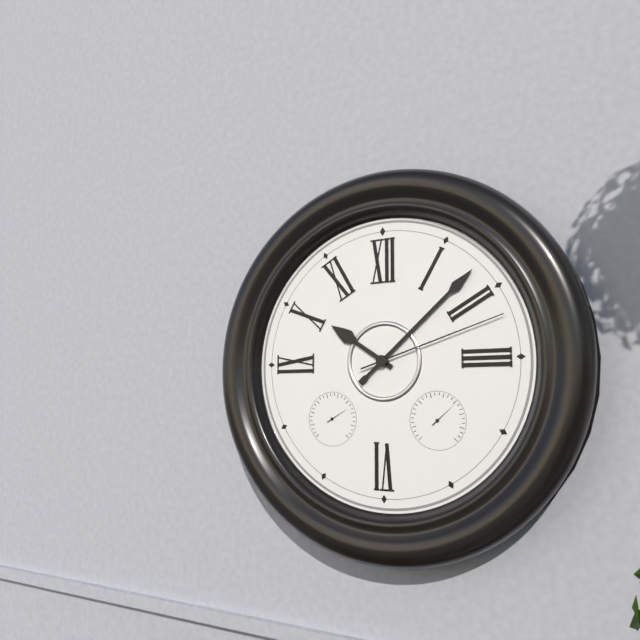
10:08:12
